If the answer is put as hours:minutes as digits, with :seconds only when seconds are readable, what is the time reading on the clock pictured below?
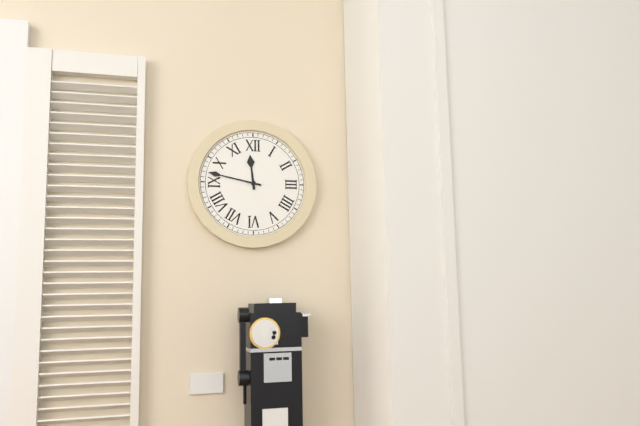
11:47
